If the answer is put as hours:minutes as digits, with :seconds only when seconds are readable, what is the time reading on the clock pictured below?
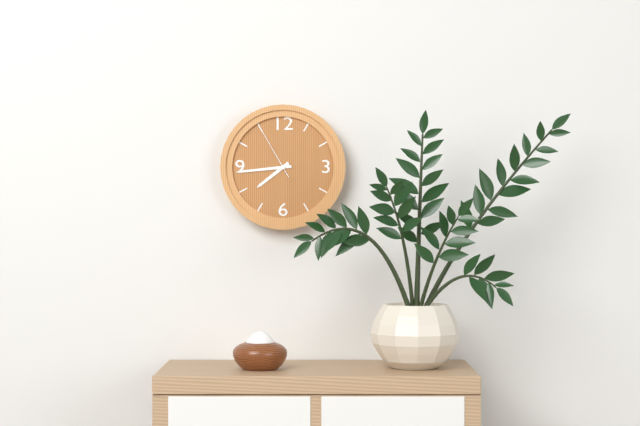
7:44:55
